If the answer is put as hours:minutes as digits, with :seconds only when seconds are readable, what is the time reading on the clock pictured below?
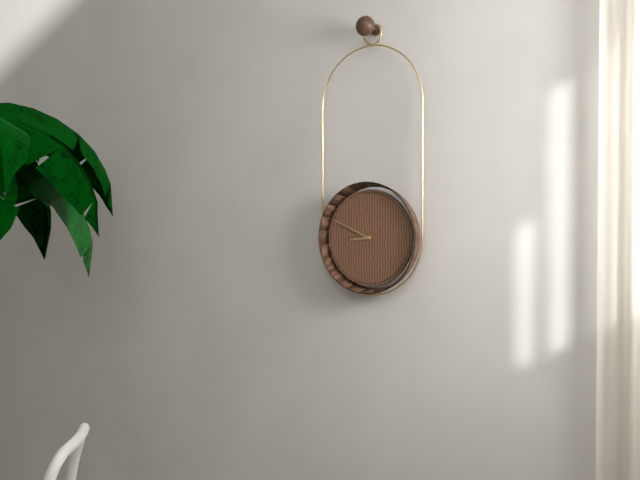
8:49
